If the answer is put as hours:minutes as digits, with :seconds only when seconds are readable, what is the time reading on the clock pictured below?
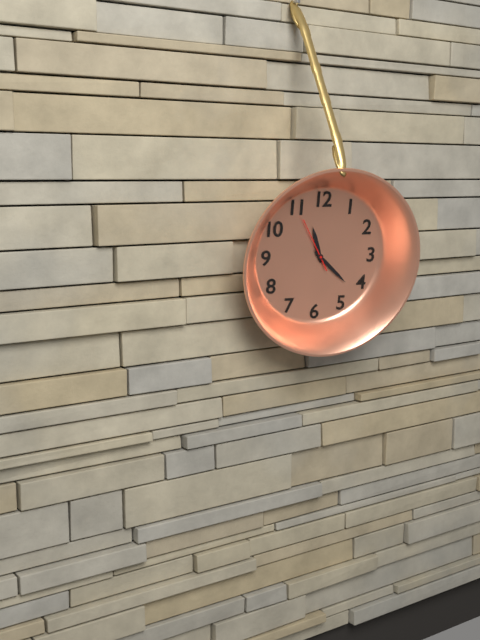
11:22:55
